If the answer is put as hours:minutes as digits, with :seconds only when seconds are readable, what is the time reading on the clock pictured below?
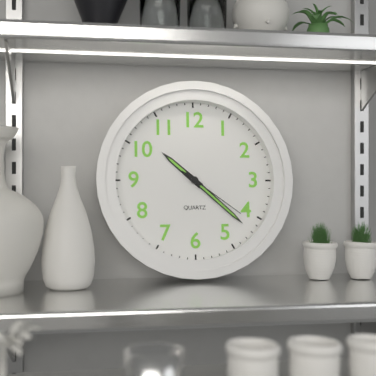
10:22:21
